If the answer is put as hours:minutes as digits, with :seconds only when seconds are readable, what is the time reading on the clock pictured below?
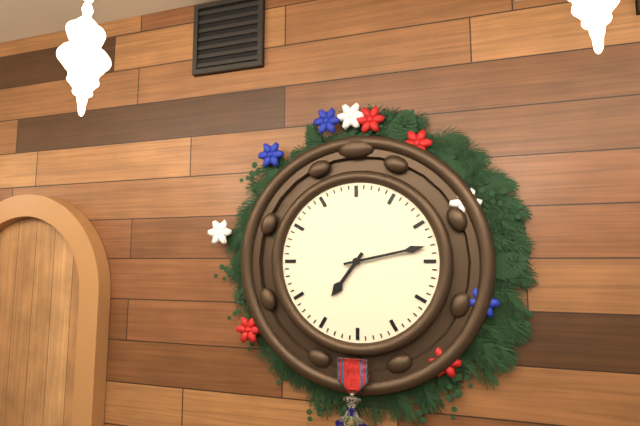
7:13
